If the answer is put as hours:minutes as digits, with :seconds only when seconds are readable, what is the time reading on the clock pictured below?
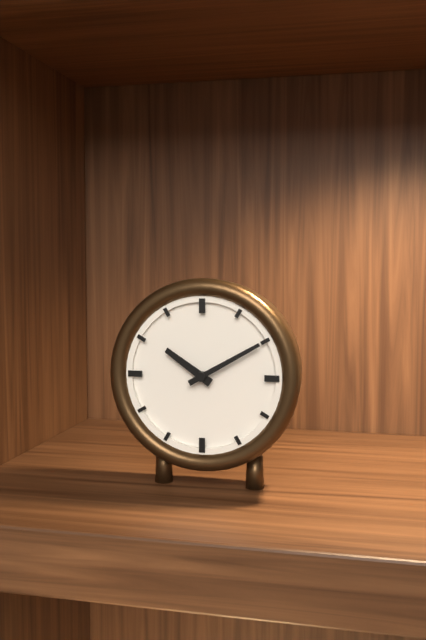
10:10
